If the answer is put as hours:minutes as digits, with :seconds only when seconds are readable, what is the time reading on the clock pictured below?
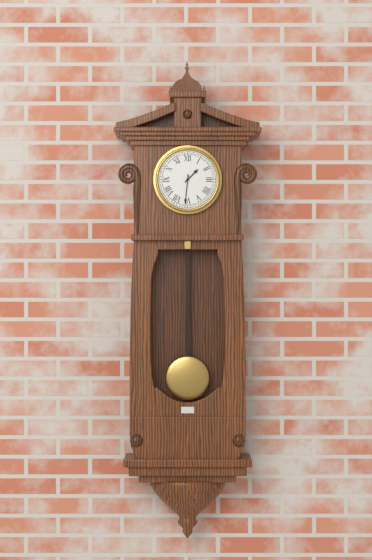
1:31
